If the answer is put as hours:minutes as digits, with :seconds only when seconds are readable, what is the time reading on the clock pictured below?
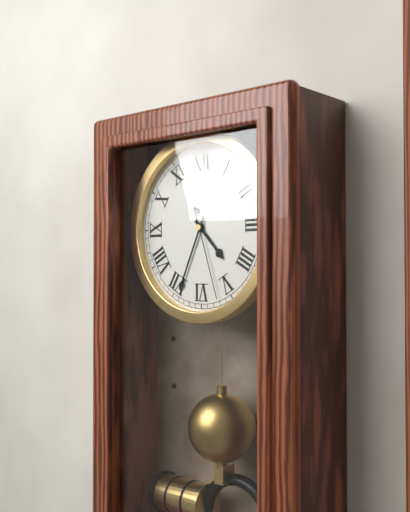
4:34:27
